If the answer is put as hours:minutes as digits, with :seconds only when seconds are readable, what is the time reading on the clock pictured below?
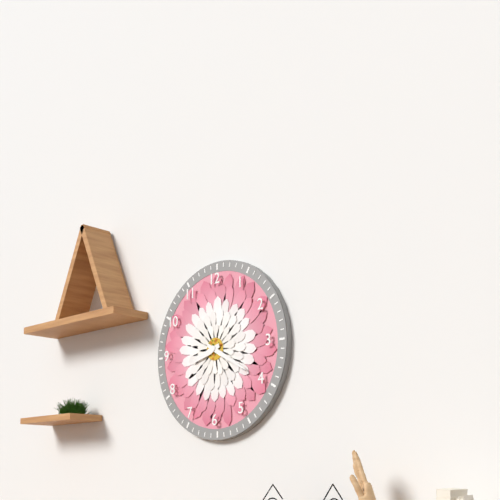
8:20
